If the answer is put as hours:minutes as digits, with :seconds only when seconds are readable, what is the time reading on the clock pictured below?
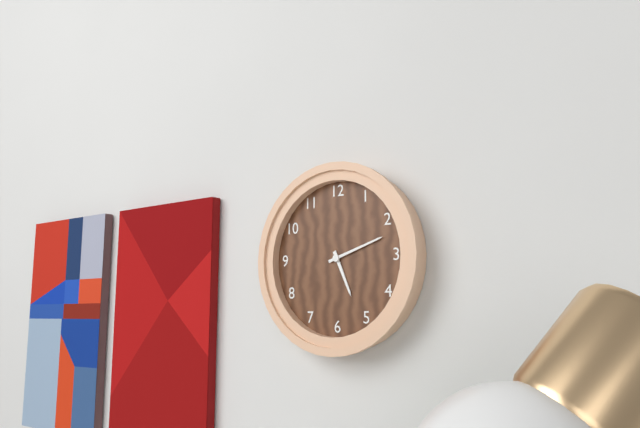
5:12
